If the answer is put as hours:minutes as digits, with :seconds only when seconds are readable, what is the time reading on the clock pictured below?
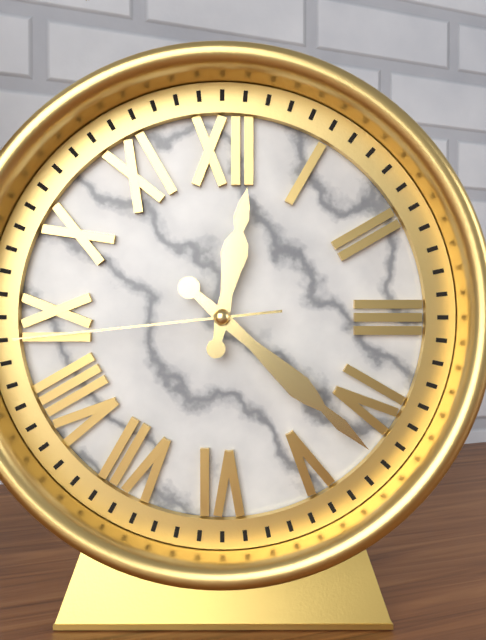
12:22:44
